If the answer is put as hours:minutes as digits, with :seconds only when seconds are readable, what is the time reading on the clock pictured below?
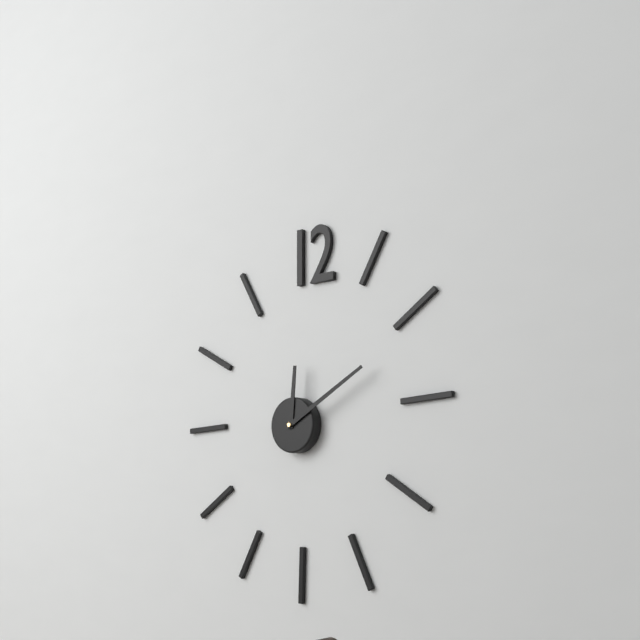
12:10
